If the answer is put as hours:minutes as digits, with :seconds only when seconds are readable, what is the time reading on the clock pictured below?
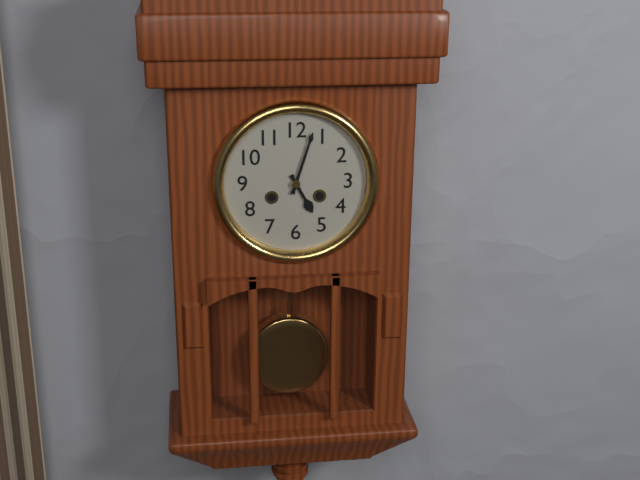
5:03
